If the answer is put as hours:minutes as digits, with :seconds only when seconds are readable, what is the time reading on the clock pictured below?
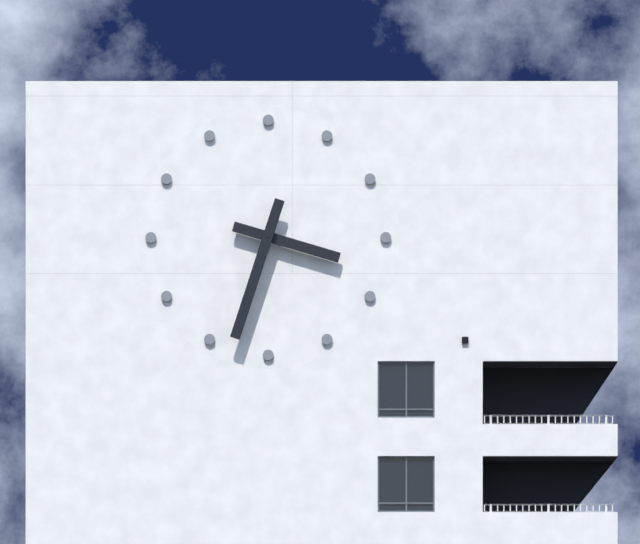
3:33
